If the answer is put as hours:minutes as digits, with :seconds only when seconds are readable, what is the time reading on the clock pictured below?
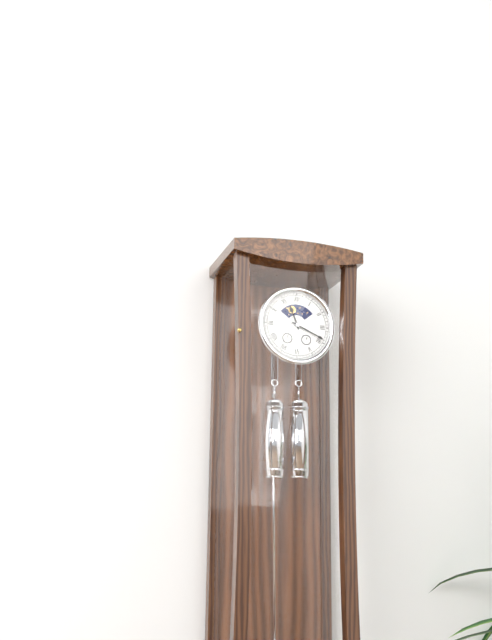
11:19
